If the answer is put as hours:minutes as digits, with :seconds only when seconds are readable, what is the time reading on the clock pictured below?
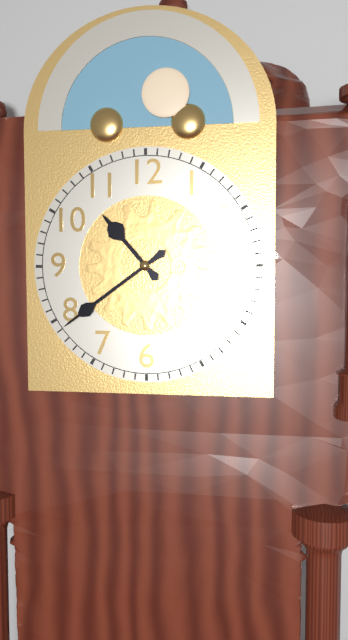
10:39
